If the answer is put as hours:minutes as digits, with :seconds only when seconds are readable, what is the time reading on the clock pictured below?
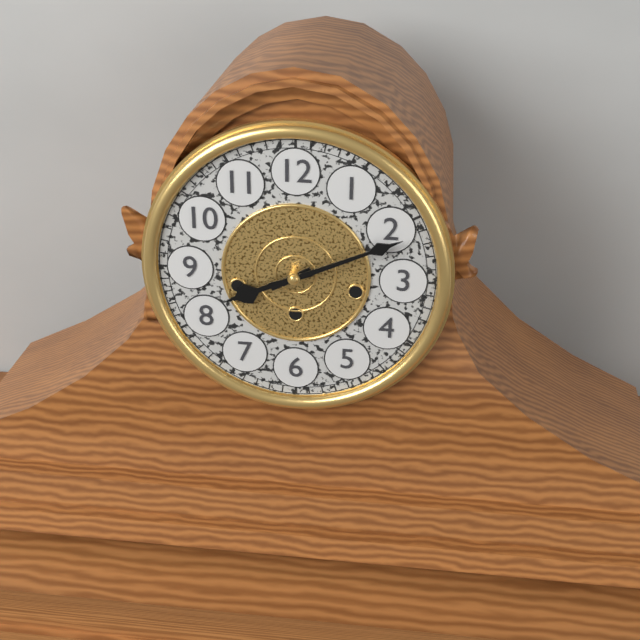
8:11
